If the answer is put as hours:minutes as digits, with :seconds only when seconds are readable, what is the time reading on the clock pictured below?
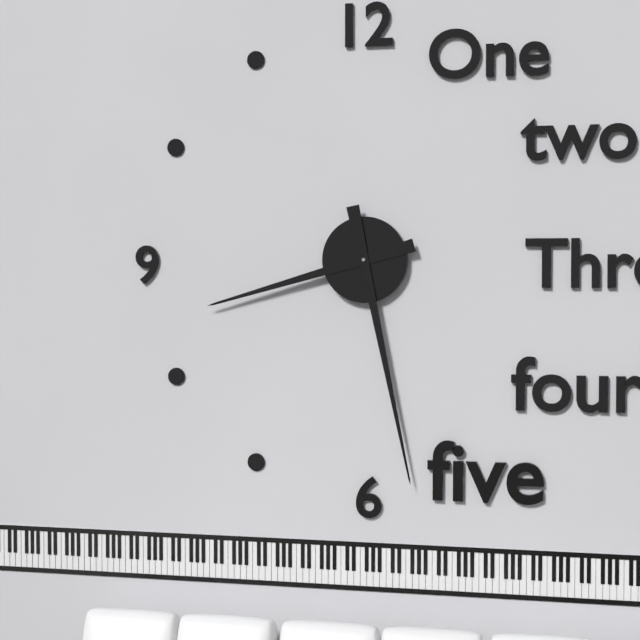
8:28
